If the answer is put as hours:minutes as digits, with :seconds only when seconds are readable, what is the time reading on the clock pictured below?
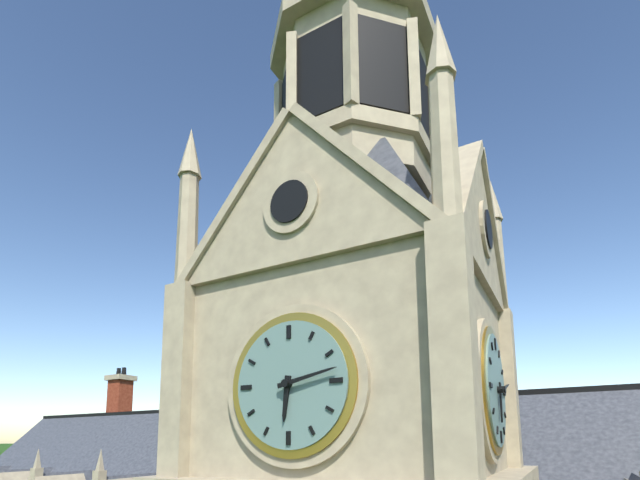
6:13
